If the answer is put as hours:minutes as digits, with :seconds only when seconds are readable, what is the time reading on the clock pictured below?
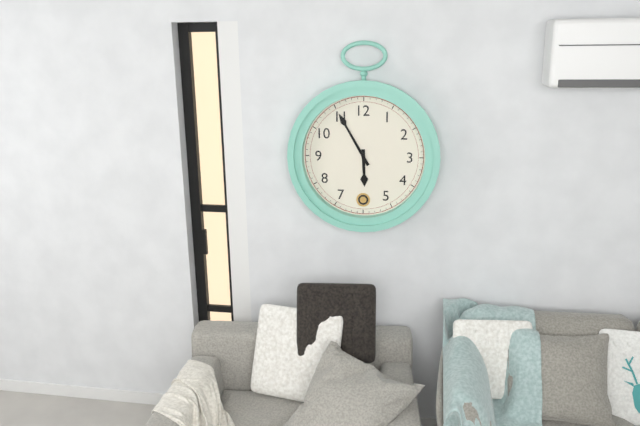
5:55
